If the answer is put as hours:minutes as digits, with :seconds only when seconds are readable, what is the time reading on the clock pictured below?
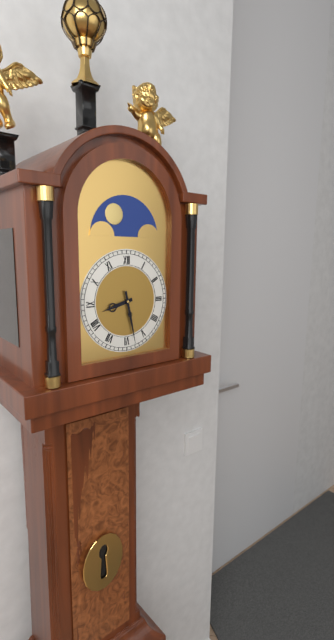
8:28
